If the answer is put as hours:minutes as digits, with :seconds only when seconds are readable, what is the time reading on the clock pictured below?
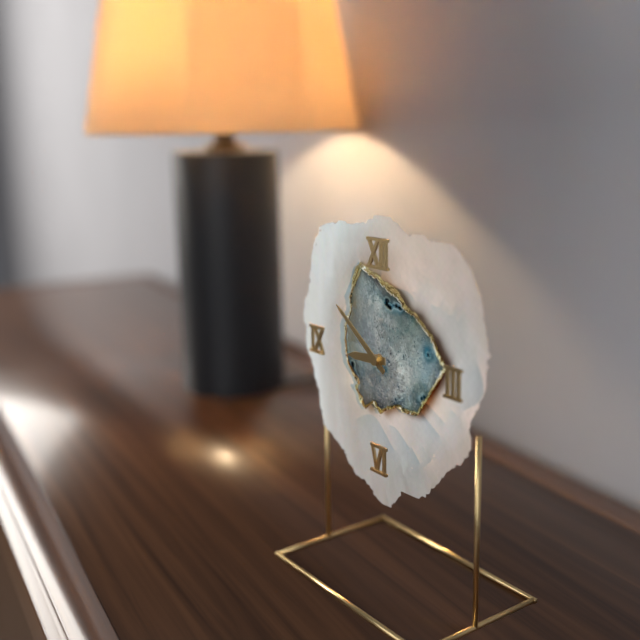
8:51
